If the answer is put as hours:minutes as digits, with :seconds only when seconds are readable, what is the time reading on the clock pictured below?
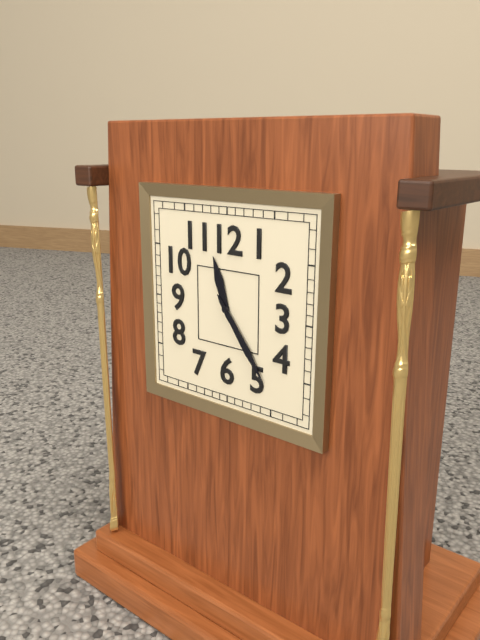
11:24
